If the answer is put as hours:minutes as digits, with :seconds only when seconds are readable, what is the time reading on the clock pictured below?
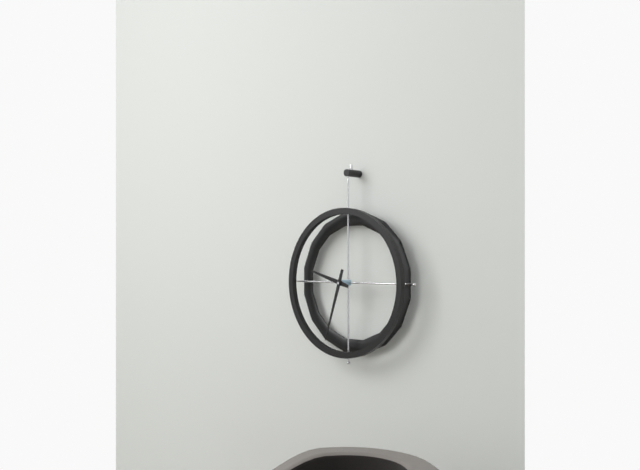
9:33
